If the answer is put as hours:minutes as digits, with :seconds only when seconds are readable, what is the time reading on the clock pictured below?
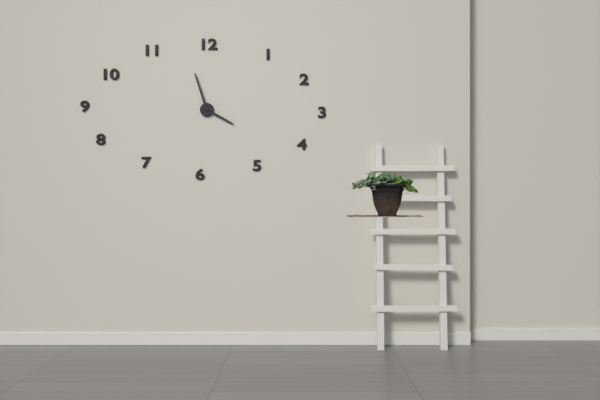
3:57
